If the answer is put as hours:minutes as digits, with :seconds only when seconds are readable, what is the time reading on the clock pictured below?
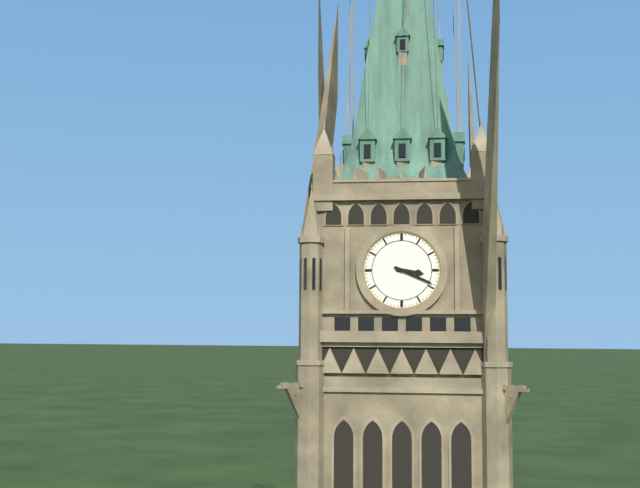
3:19
